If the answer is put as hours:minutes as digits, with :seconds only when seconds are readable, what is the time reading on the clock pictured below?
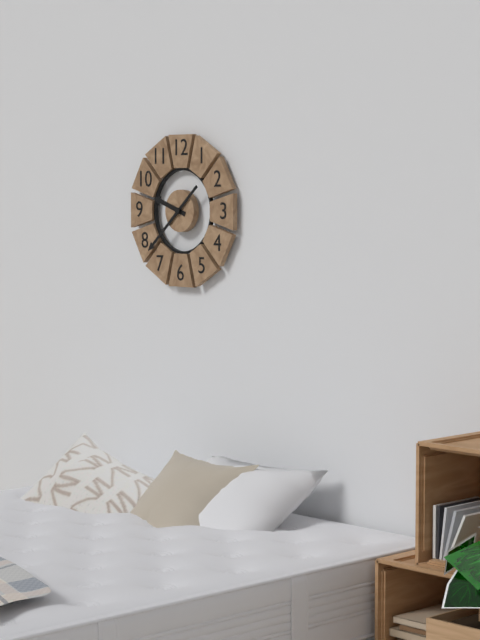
9:38
